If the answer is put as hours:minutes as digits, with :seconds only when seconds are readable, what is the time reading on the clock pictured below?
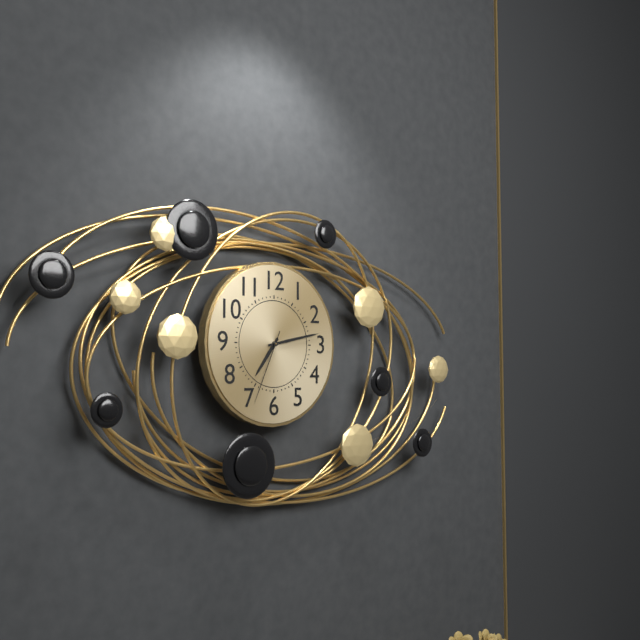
7:13:34
